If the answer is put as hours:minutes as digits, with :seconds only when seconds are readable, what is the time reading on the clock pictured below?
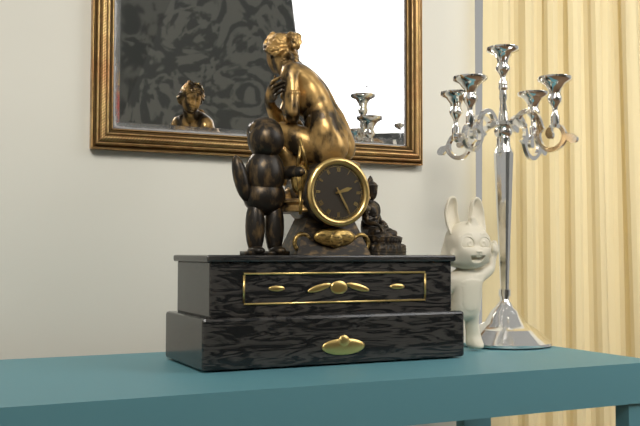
2:25
